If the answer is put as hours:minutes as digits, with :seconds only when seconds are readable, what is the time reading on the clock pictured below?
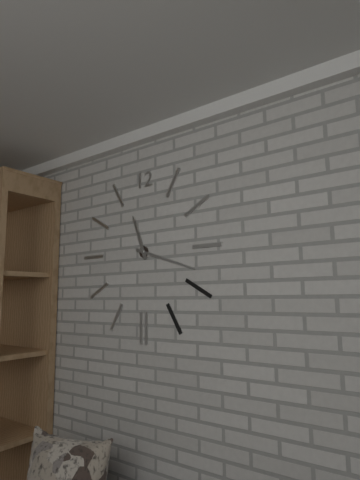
11:18
